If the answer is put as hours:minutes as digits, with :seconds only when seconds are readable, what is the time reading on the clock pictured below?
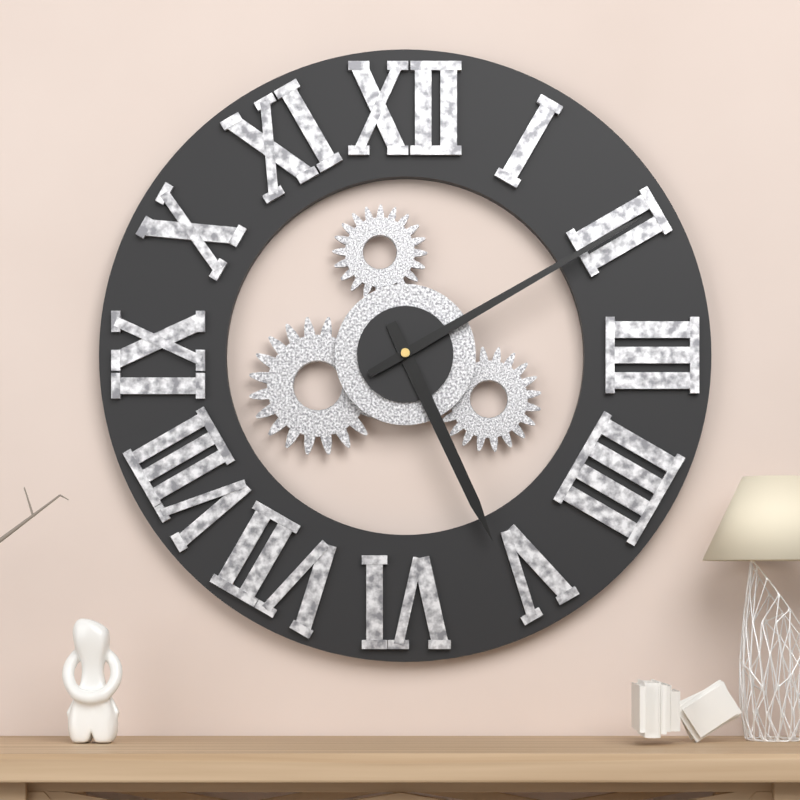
5:10
